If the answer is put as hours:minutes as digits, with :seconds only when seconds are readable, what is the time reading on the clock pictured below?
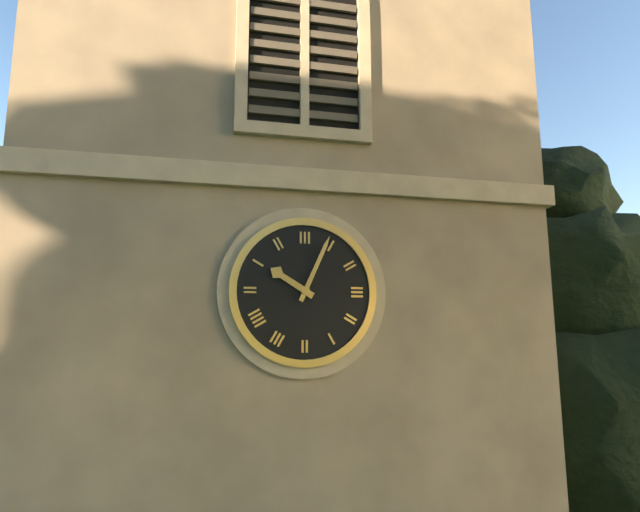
10:04
